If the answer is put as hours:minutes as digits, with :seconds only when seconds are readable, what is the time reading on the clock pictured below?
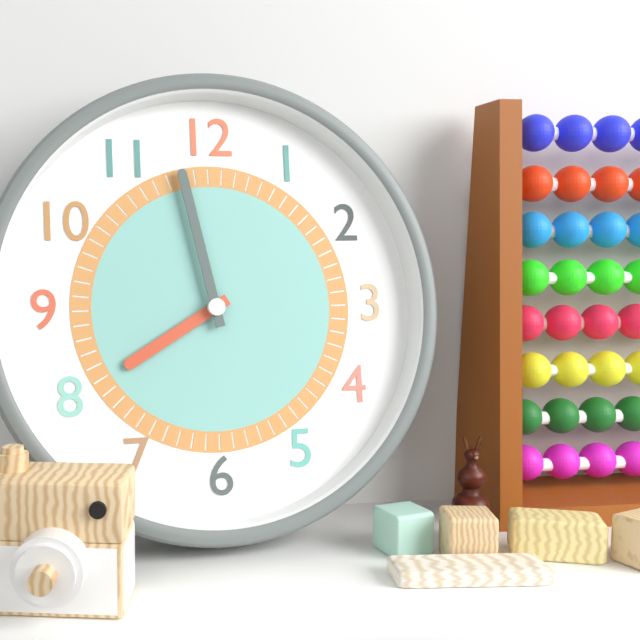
7:58
